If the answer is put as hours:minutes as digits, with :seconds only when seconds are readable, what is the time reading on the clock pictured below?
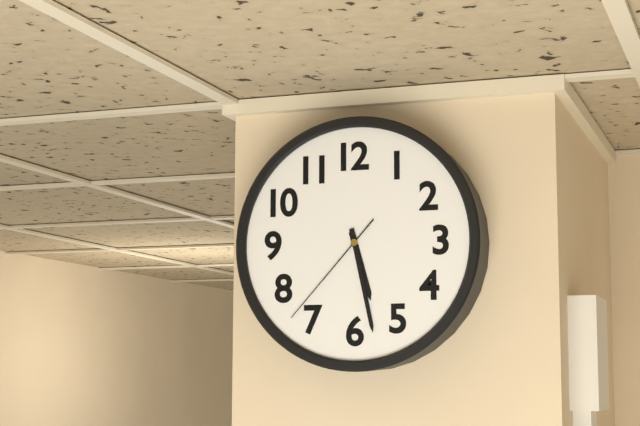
5:28:37
